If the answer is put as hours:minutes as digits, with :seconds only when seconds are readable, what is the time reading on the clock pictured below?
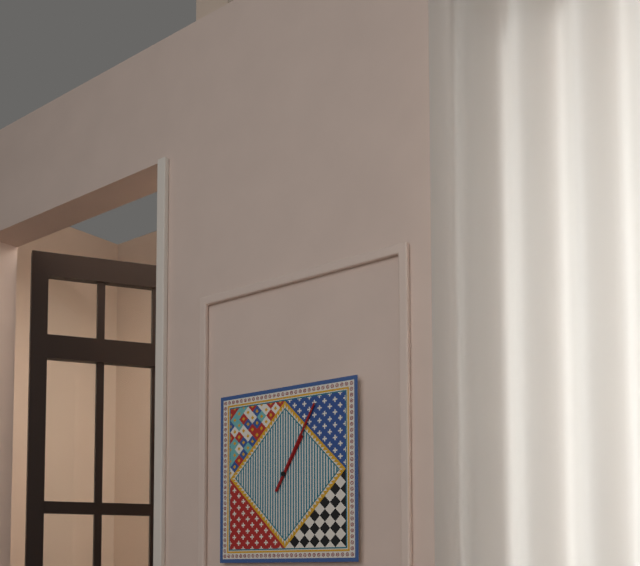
1:05
